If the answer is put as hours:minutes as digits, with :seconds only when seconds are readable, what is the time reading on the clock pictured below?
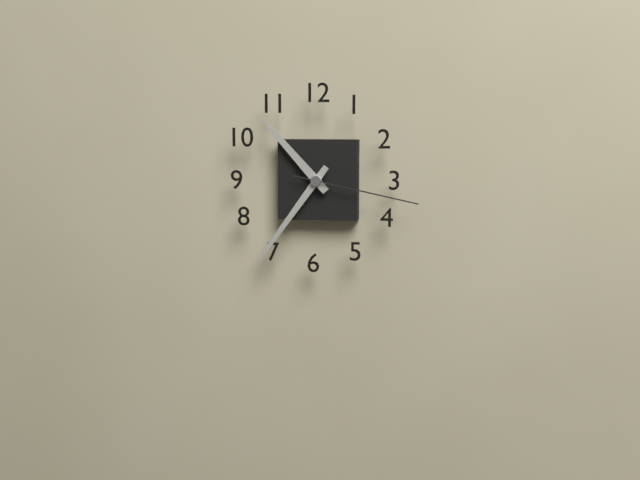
10:36:17
